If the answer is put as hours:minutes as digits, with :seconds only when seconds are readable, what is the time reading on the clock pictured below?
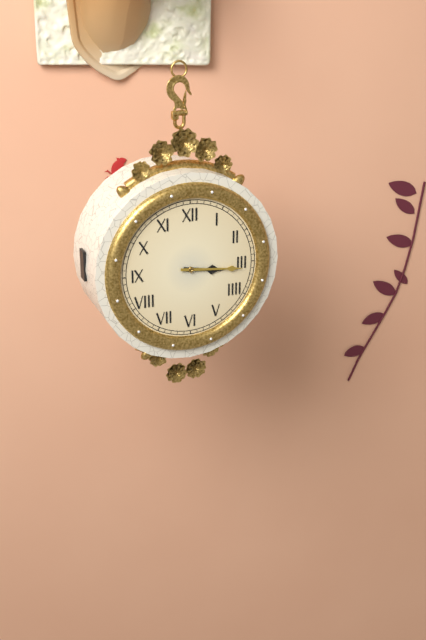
3:16
